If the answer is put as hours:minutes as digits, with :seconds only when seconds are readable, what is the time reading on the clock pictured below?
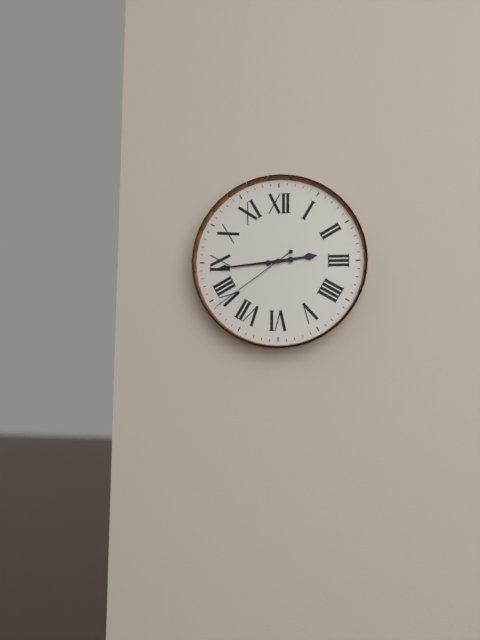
2:44:39
